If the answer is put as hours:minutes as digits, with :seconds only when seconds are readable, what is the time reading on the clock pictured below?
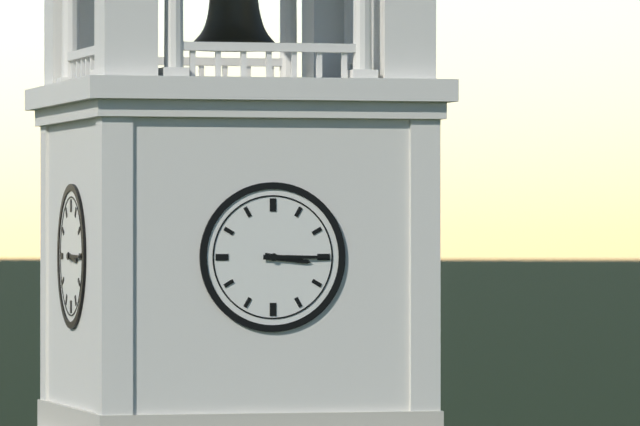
3:15
